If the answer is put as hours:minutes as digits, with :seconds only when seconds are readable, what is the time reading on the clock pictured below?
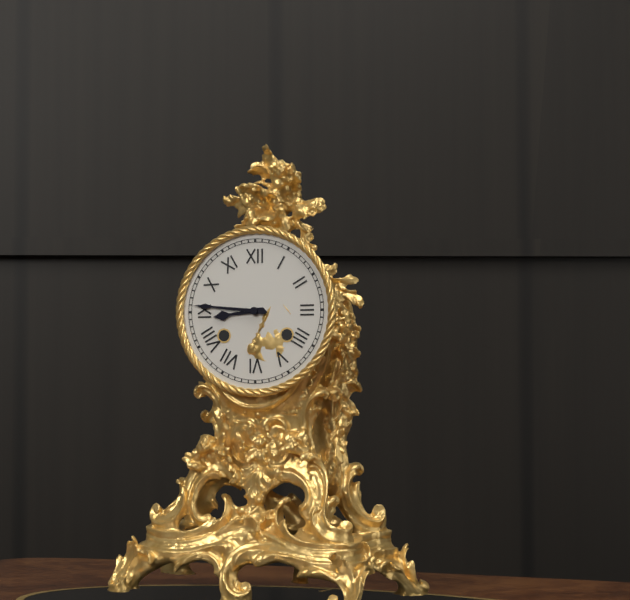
8:46
